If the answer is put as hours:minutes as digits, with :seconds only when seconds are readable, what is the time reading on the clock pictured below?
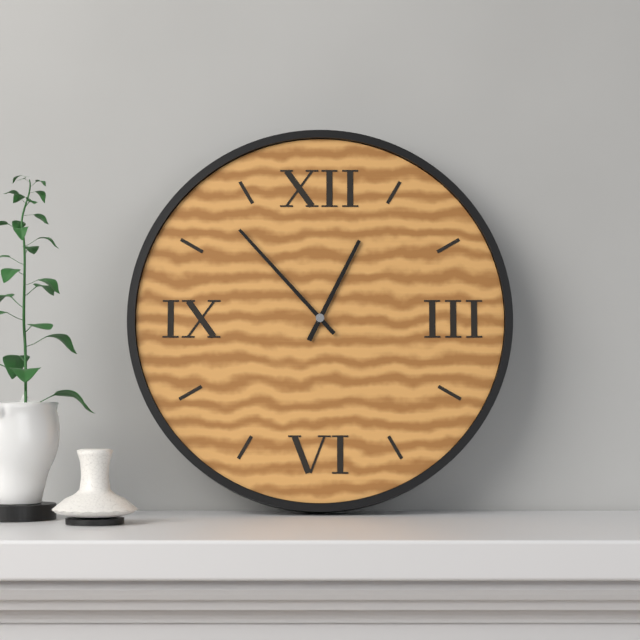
12:53
